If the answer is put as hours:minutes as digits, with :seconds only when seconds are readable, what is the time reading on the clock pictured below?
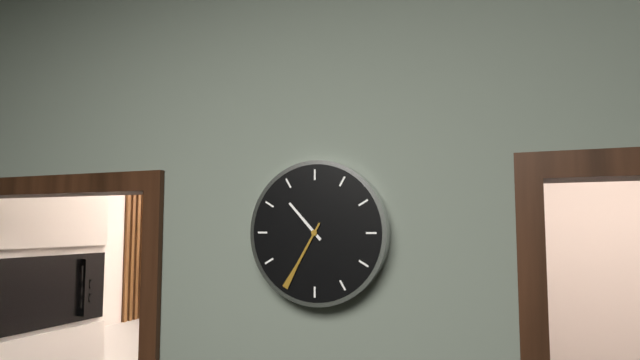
10:35
